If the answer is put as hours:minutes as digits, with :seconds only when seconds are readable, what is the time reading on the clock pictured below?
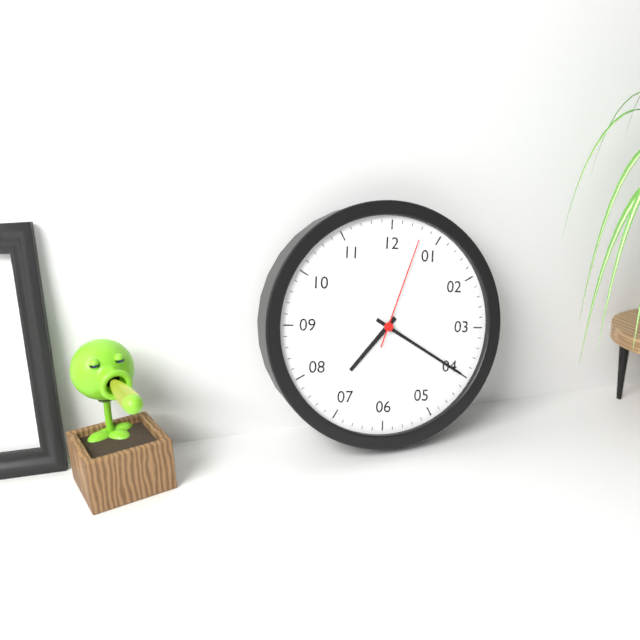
7:20:03
